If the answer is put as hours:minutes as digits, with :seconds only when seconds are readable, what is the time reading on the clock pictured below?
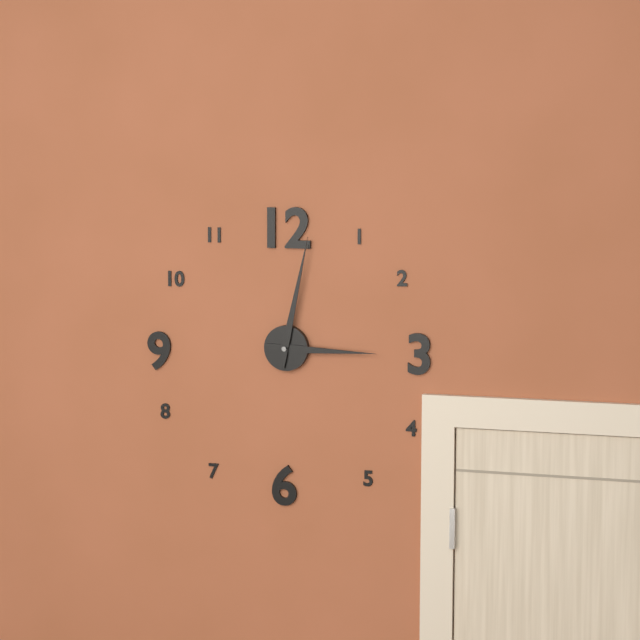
3:02
